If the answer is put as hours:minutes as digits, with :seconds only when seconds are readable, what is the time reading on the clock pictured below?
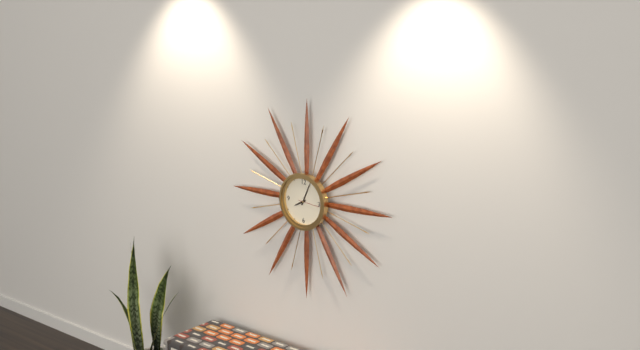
8:04
